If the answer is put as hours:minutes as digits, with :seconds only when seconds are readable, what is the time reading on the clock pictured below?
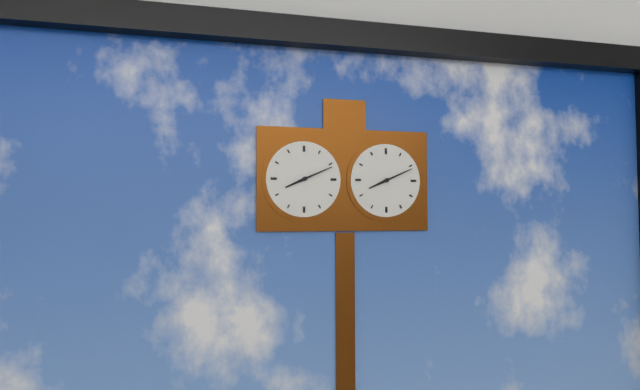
8:11
